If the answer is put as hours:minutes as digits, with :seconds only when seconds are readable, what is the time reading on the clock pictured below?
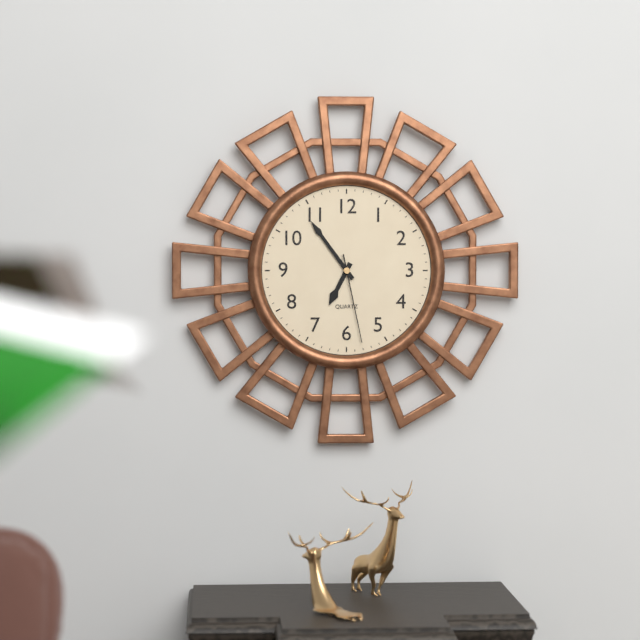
6:54:28
